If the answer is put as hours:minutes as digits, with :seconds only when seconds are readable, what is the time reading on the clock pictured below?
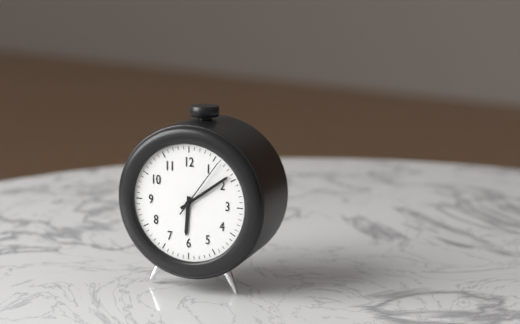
6:09:06
